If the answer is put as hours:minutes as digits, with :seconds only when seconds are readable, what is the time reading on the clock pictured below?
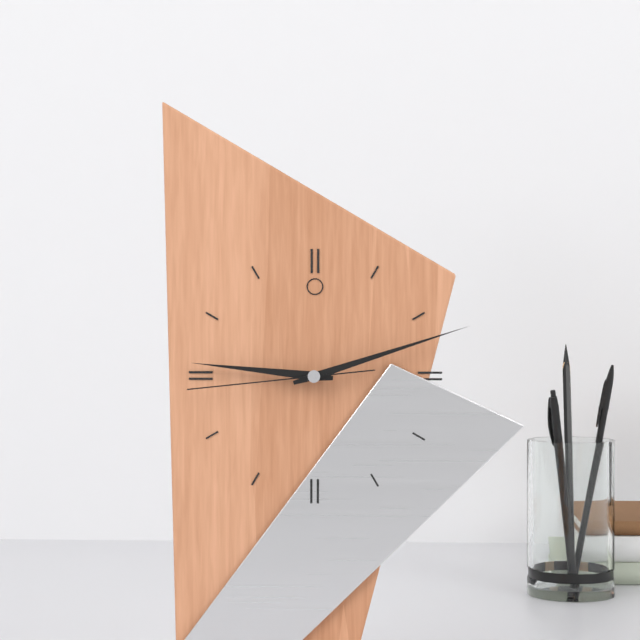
9:12:44
